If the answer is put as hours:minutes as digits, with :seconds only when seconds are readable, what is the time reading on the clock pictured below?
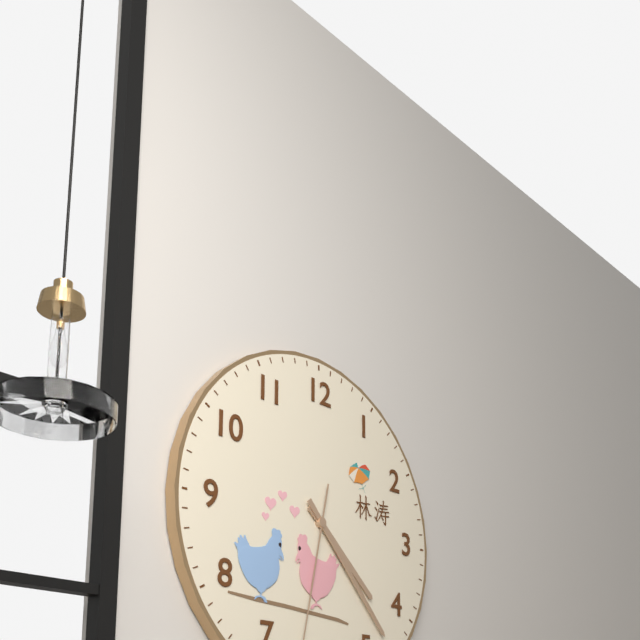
4:23
